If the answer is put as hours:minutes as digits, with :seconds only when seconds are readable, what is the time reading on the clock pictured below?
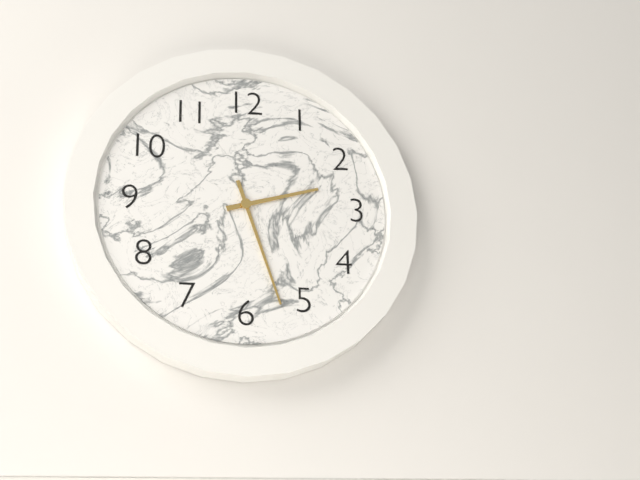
2:27
